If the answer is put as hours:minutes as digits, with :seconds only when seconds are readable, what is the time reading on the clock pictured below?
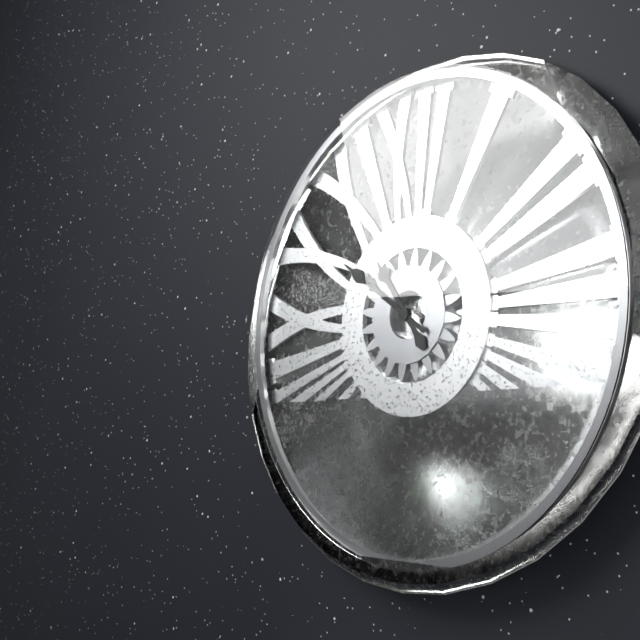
10:51
